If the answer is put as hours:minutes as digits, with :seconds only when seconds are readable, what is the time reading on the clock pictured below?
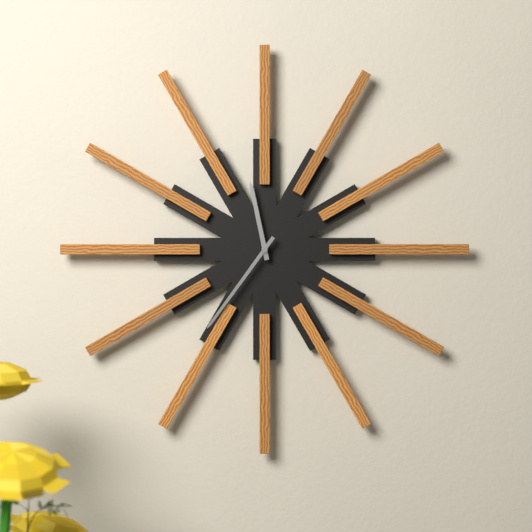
11:36
